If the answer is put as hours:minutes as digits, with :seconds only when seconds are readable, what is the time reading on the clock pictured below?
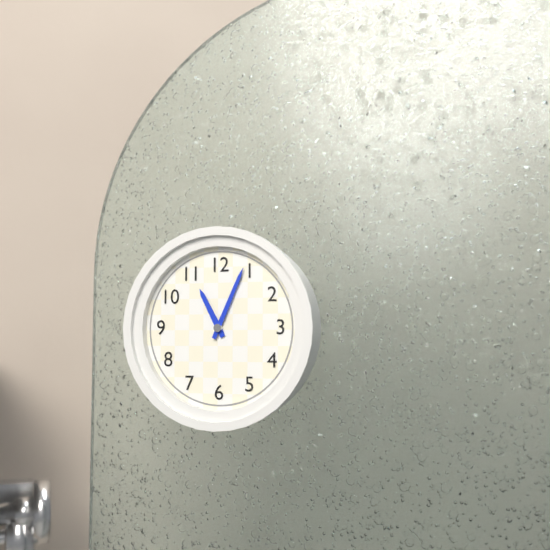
11:04
